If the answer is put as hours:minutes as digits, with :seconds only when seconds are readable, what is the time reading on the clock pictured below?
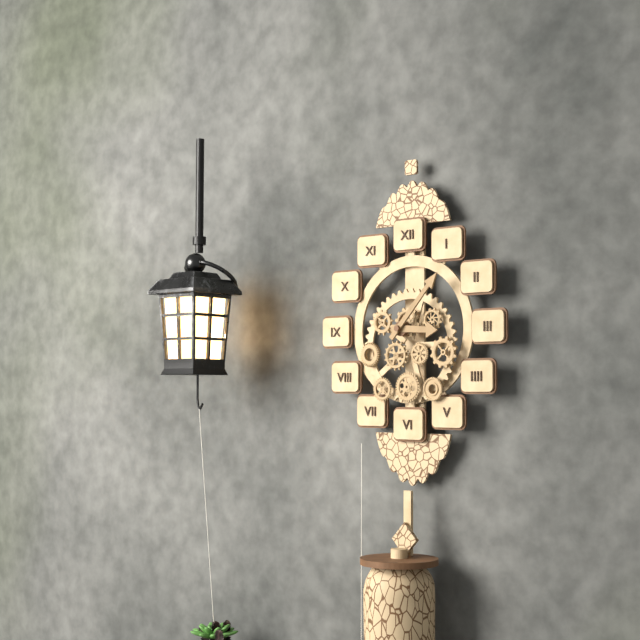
3:07
